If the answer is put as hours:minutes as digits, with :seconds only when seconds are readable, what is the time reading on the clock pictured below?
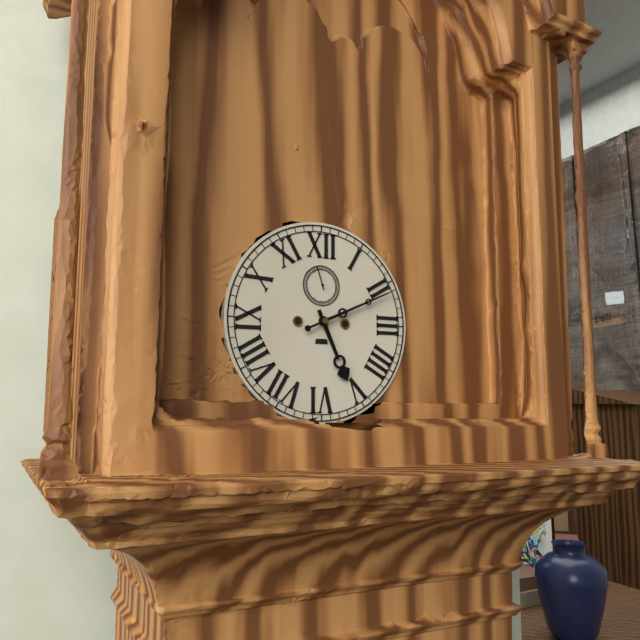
5:11
